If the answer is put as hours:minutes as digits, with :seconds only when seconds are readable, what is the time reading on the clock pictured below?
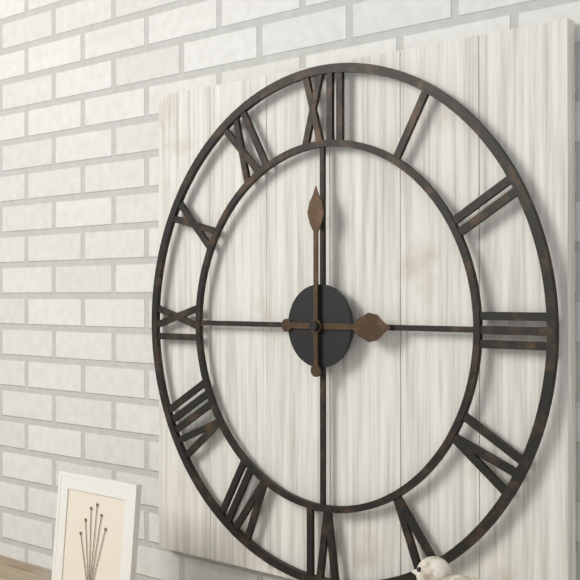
3:00
